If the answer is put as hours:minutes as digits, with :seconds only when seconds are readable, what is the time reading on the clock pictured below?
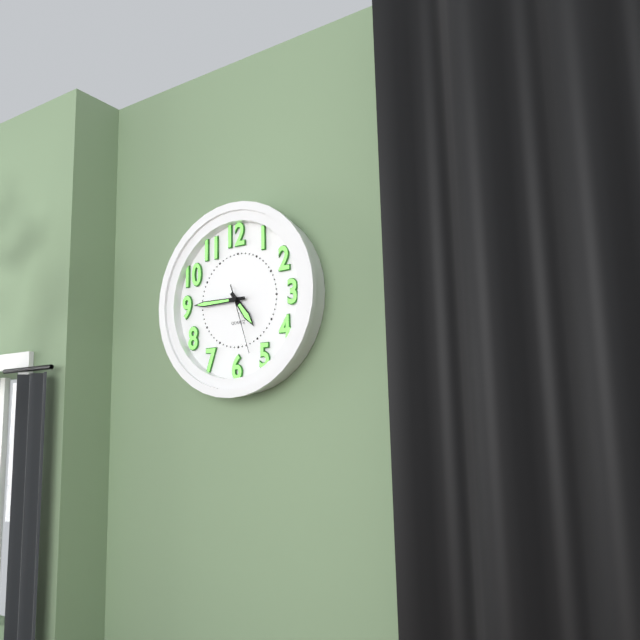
4:45:27
